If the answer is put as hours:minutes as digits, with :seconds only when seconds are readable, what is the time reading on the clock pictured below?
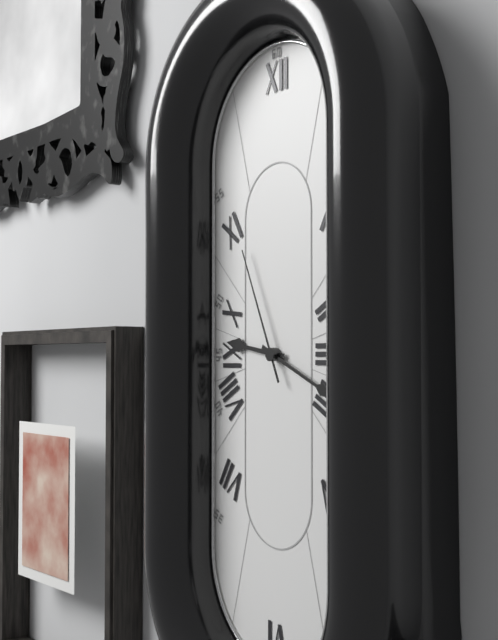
9:19:56
